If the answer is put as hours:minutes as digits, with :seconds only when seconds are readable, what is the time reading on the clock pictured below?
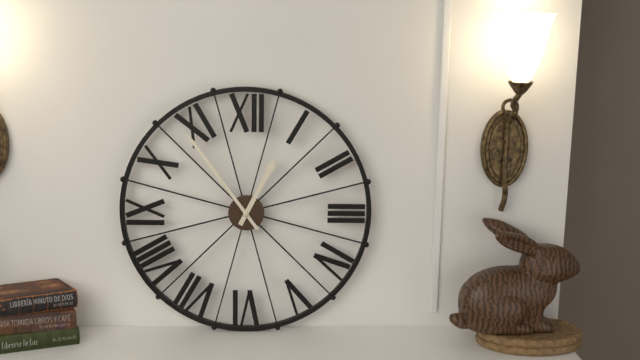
12:54
